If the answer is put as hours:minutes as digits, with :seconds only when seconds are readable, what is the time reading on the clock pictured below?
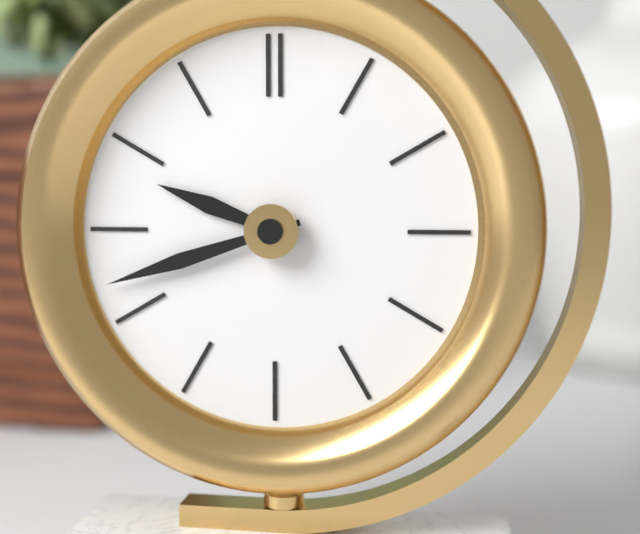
9:42
